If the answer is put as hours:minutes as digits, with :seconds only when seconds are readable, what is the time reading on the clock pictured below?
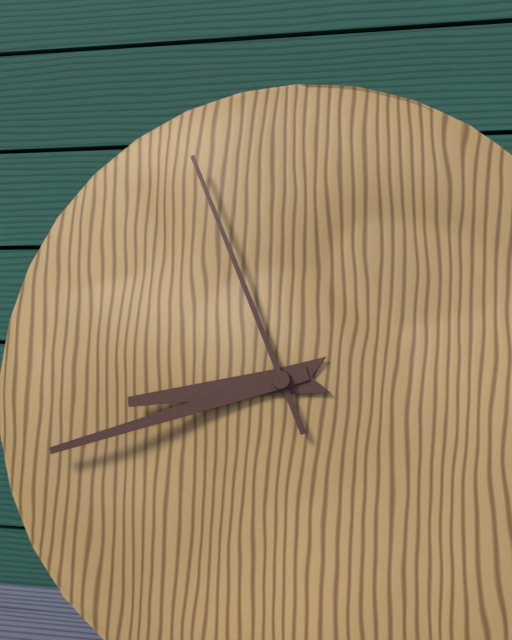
8:42:56
